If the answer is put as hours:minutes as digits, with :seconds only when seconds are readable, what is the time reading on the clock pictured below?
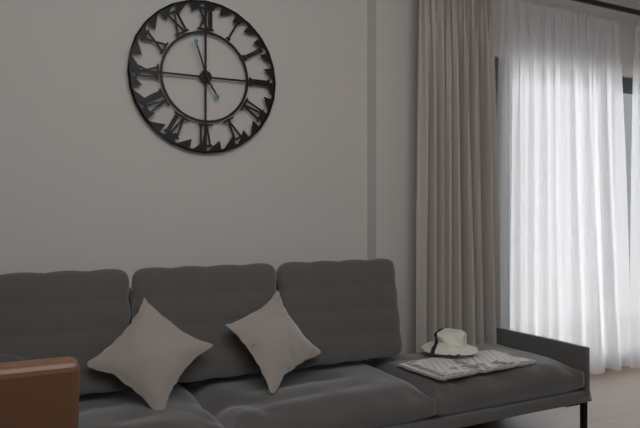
4:57
